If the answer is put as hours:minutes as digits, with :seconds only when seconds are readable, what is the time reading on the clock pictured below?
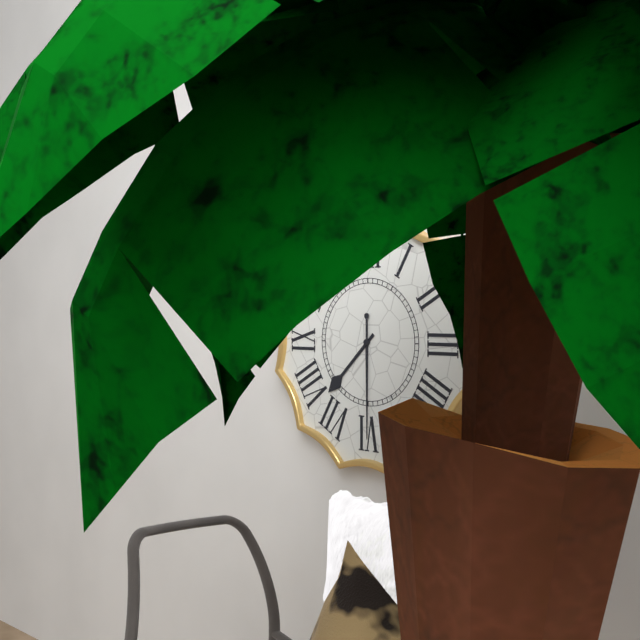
7:30
